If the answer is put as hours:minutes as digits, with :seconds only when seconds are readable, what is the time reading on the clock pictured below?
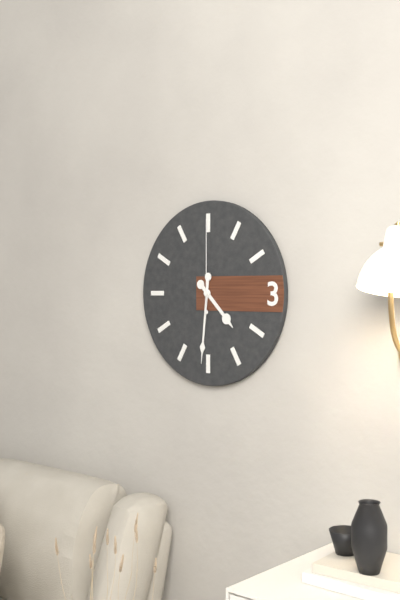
4:31:00
